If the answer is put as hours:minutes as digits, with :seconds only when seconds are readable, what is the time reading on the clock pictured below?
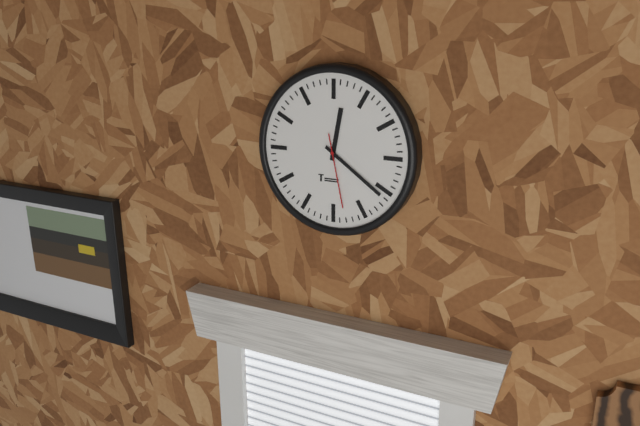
12:21:28
